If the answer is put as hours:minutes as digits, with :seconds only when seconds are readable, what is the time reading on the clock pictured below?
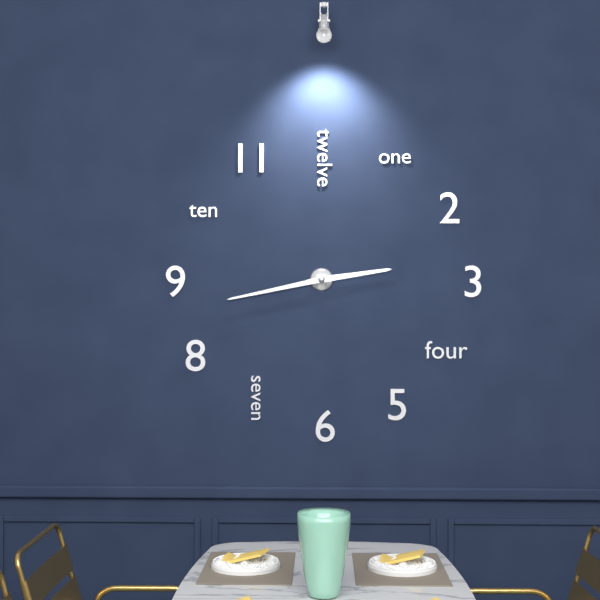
2:43
